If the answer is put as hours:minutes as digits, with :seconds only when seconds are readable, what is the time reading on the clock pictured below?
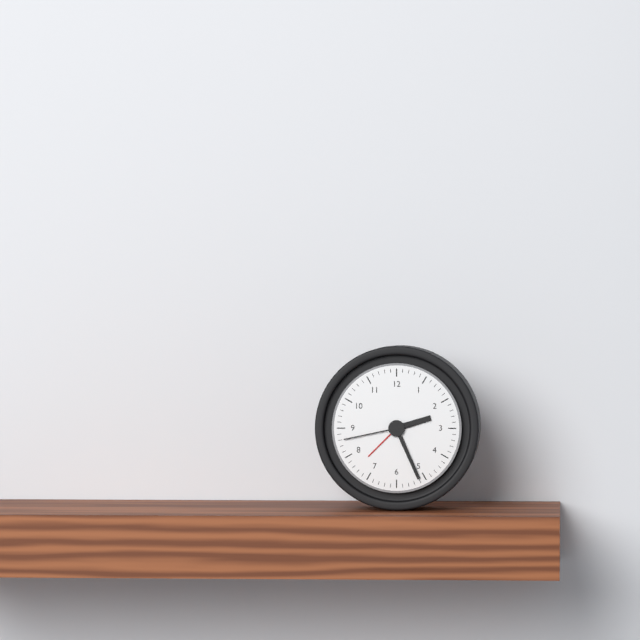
2:26:43
